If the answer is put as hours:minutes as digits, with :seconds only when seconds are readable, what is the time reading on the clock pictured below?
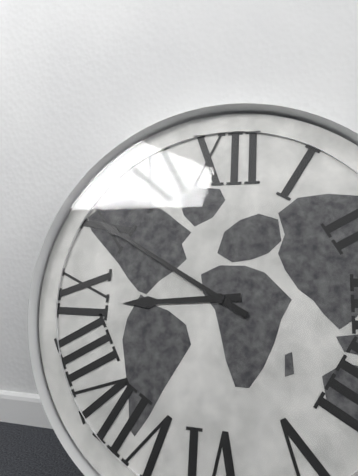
8:50
